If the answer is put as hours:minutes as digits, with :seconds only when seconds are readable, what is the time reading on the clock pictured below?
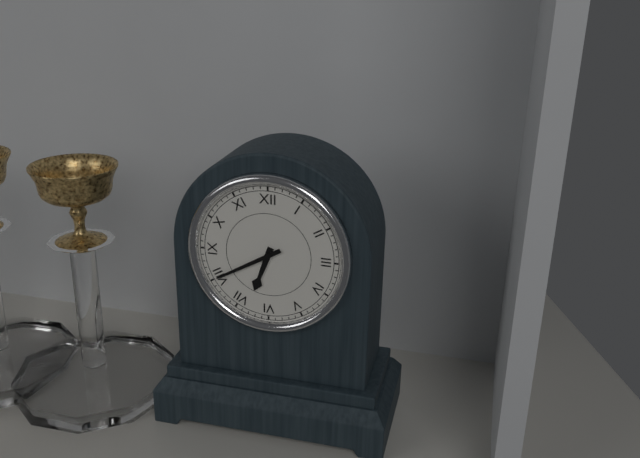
6:40
